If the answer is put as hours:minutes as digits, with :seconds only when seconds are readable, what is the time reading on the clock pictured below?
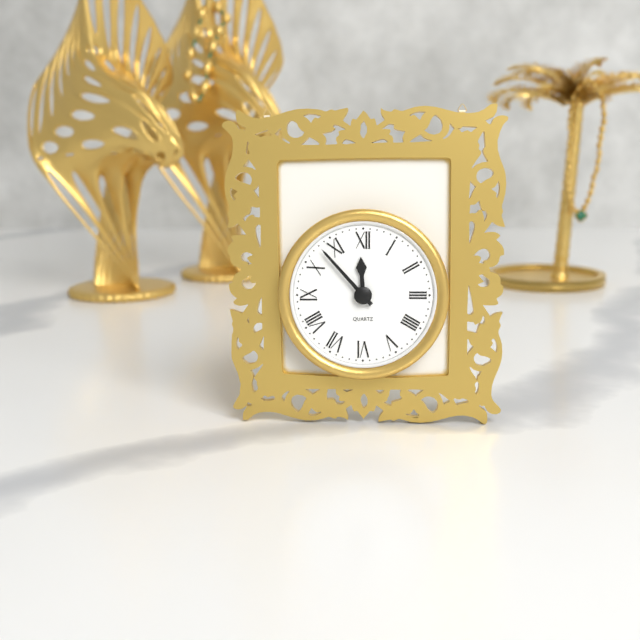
11:53
